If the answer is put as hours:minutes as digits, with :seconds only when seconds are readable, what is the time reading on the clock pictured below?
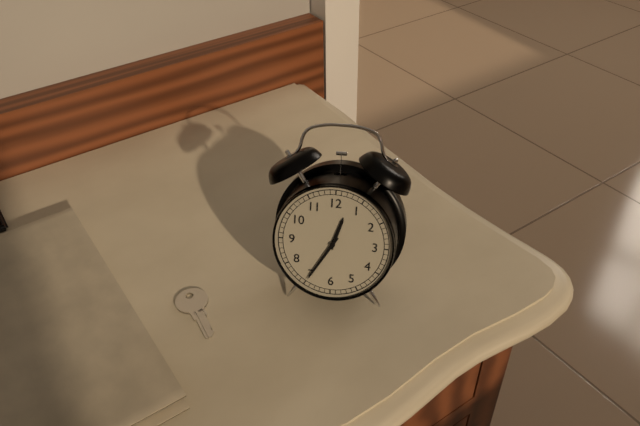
12:35
